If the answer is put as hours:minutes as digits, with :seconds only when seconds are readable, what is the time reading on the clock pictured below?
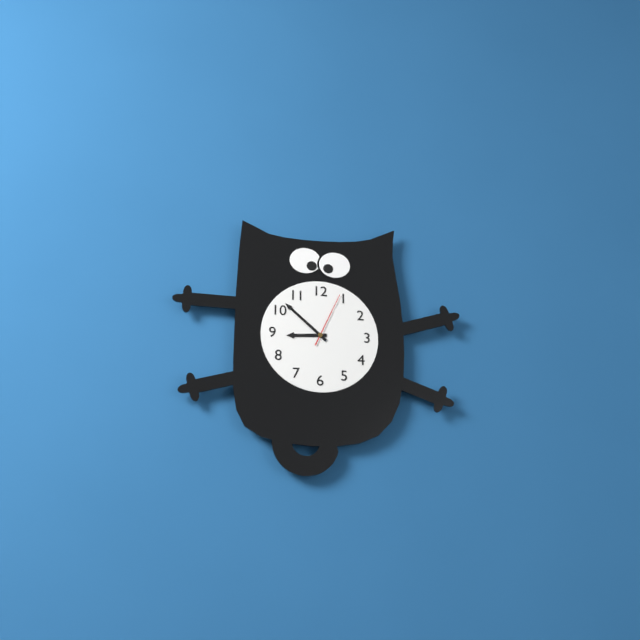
8:52:04
